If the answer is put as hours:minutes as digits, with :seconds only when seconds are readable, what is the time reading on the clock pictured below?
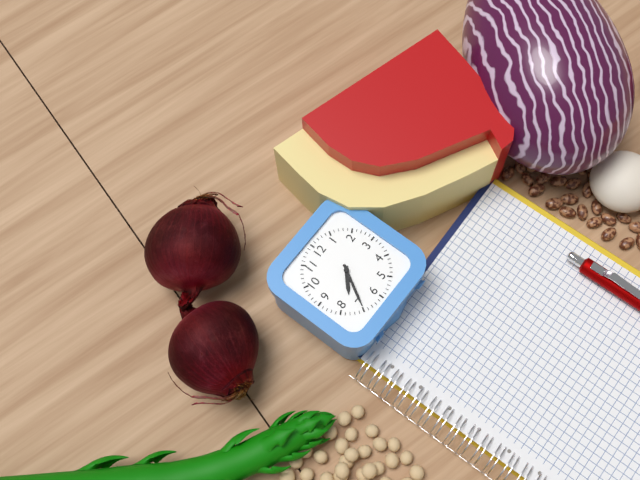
7:35
